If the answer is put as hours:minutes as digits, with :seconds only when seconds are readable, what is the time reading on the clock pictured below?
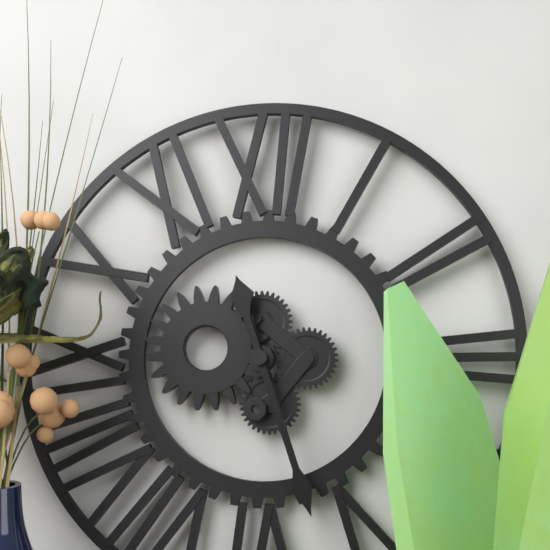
11:27
